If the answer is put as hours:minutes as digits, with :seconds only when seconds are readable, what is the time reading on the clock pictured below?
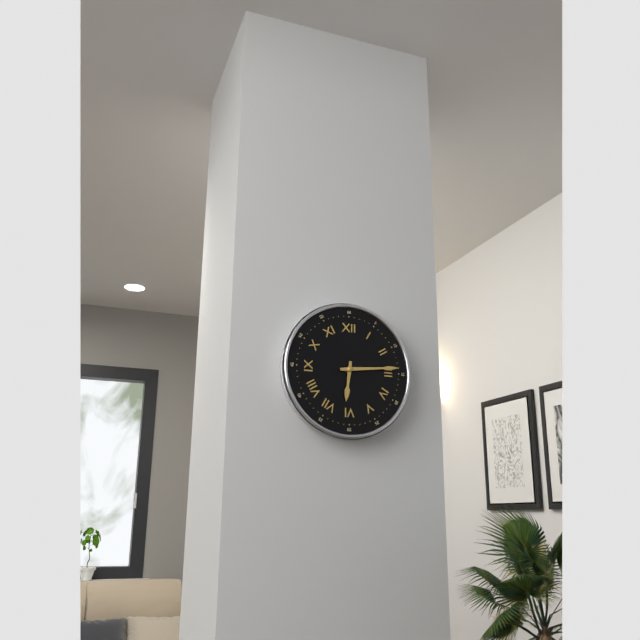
6:14
